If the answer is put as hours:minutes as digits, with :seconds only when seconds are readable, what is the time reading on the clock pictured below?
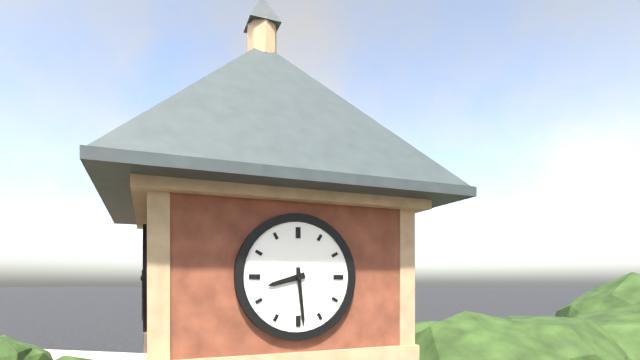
8:29
